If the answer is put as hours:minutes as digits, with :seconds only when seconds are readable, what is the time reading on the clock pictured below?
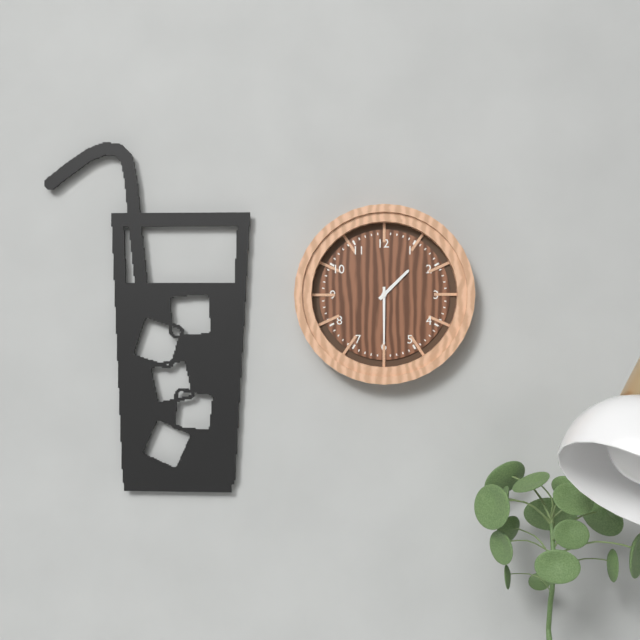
1:30
